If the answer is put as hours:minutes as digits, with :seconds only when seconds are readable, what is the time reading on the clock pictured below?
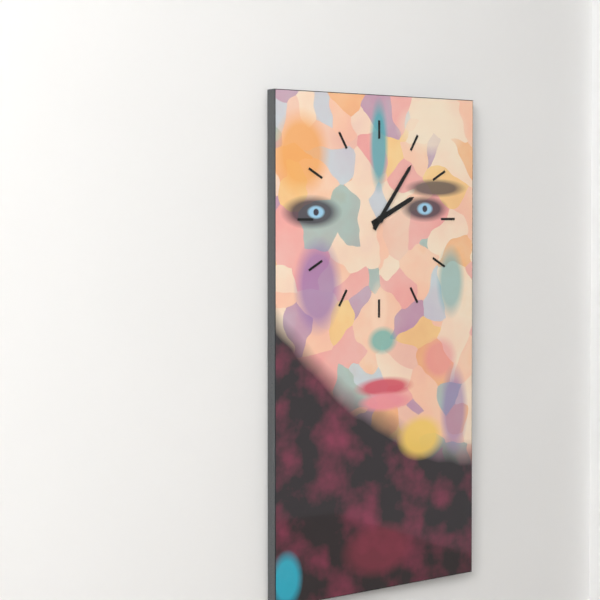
2:06
